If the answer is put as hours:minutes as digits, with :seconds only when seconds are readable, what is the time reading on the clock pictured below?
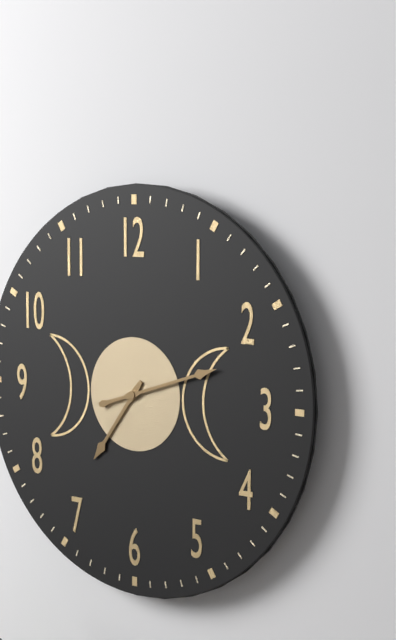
7:12
